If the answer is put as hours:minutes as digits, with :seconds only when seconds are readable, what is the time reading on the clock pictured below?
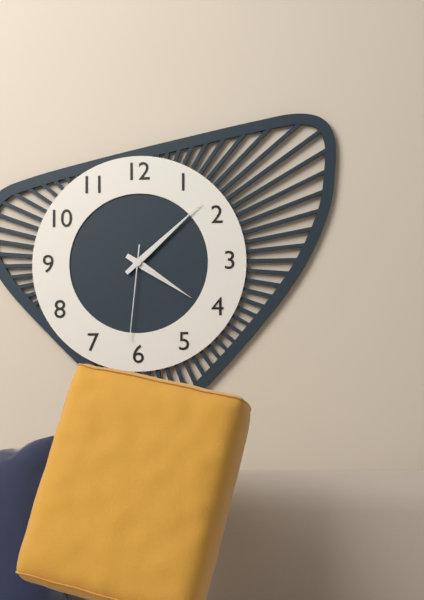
4:08:31
